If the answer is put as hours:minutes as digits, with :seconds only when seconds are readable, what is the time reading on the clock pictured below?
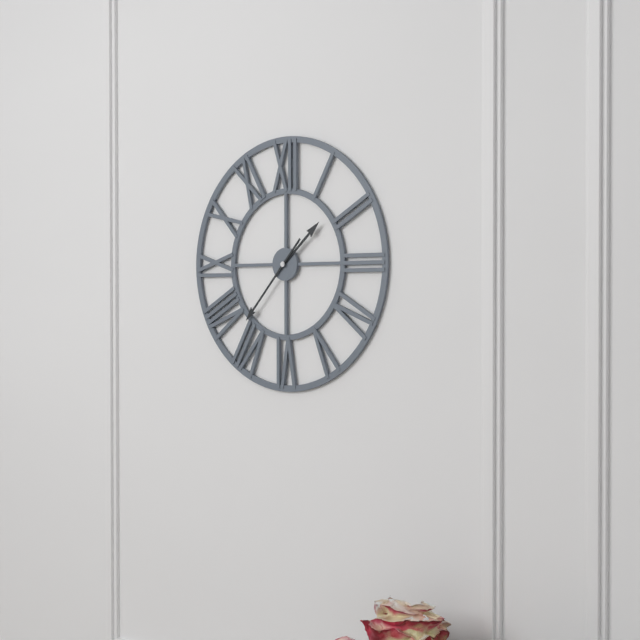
1:37
